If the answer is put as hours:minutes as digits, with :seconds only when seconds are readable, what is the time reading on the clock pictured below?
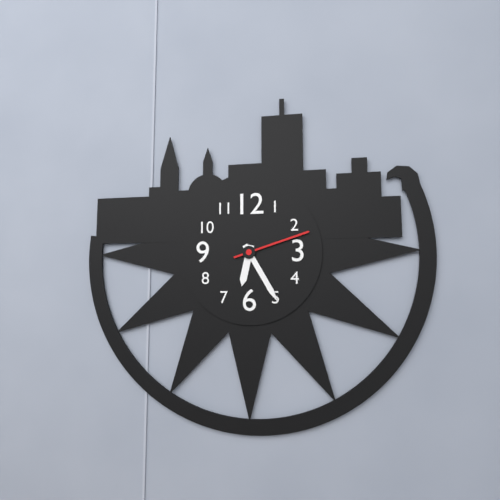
6:25:12
